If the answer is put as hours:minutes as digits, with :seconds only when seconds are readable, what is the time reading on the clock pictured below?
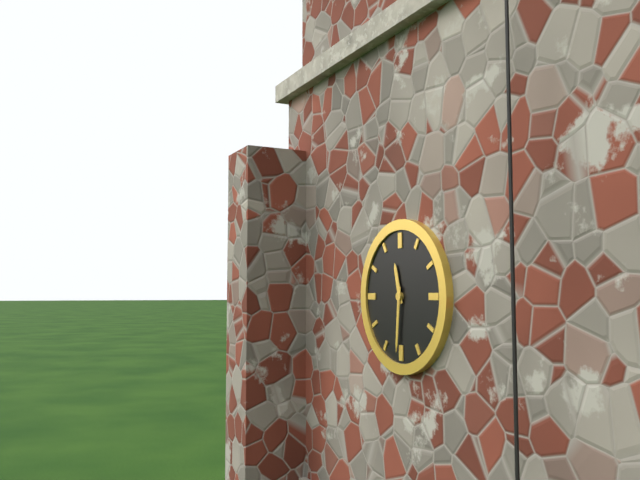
11:31
